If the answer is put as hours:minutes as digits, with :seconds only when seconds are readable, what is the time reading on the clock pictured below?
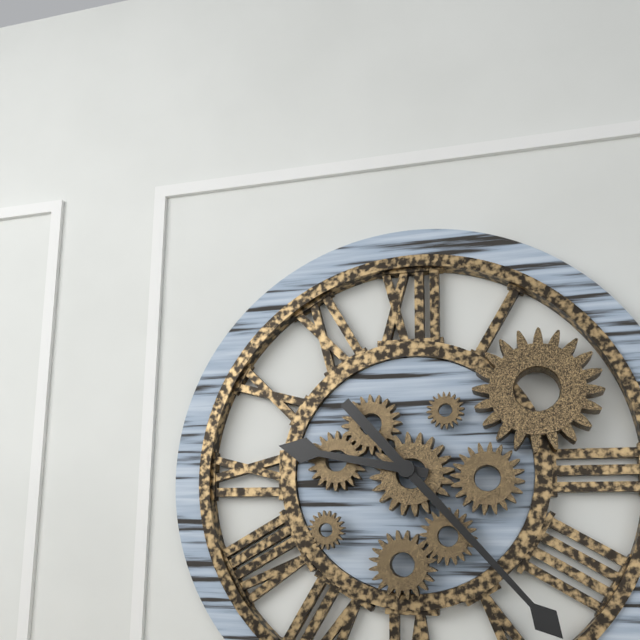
9:23
